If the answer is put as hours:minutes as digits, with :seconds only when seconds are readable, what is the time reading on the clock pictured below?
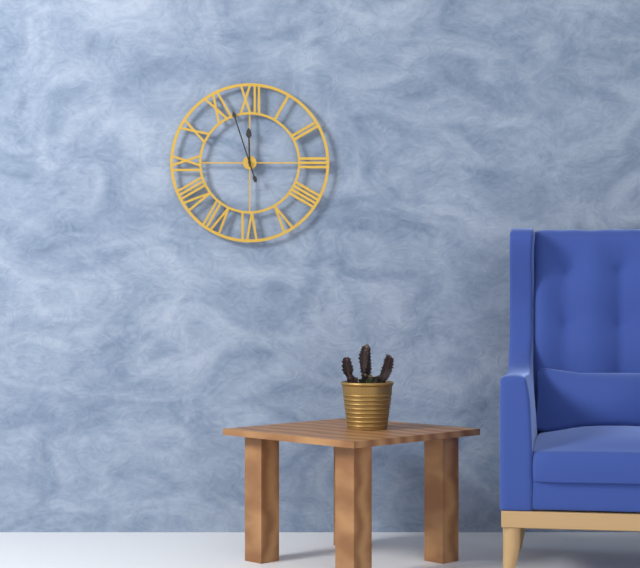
11:57
